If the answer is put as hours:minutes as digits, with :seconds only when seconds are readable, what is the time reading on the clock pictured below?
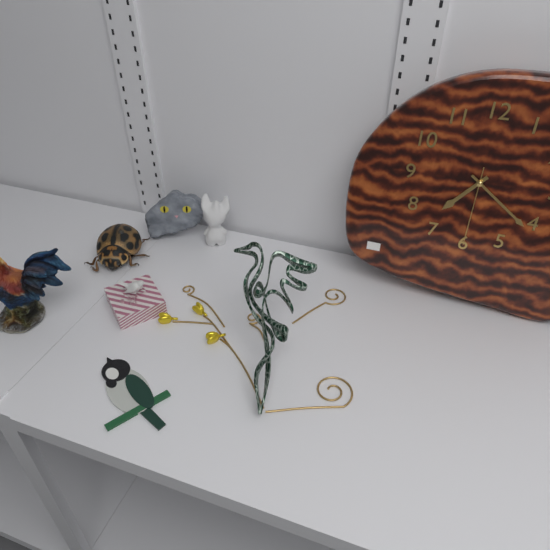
7:21:30
